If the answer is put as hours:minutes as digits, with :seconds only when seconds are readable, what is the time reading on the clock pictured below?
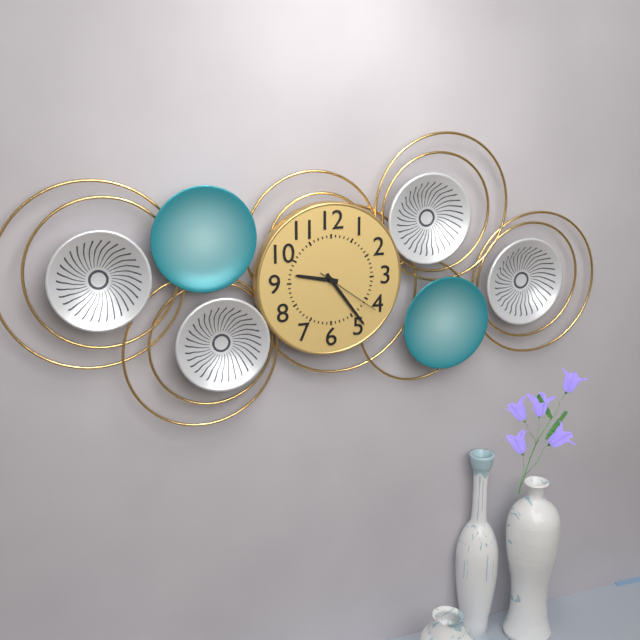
9:24:21
